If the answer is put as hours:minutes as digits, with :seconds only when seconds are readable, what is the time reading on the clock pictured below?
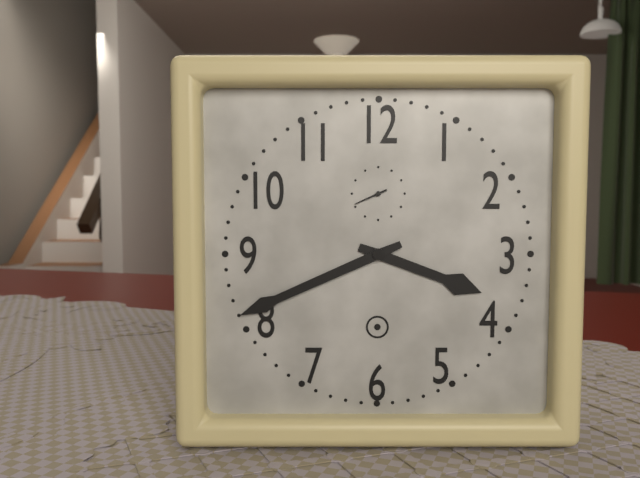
3:41
